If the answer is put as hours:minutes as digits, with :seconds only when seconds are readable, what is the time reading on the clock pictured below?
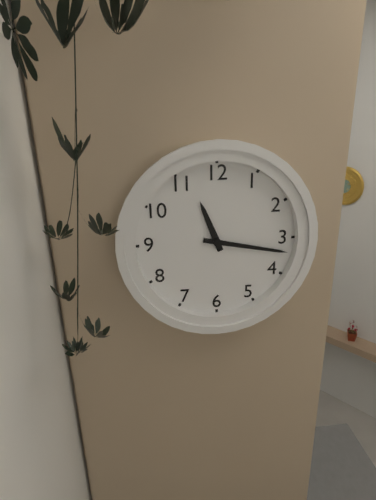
11:17
